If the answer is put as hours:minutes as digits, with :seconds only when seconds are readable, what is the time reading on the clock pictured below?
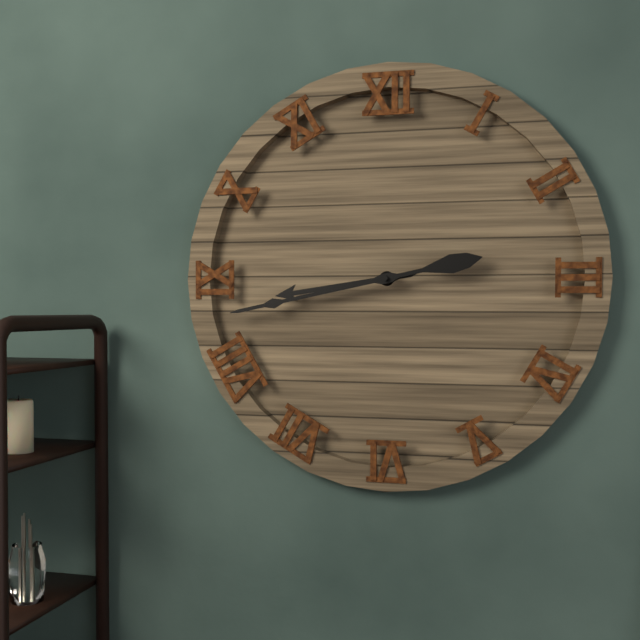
8:43
